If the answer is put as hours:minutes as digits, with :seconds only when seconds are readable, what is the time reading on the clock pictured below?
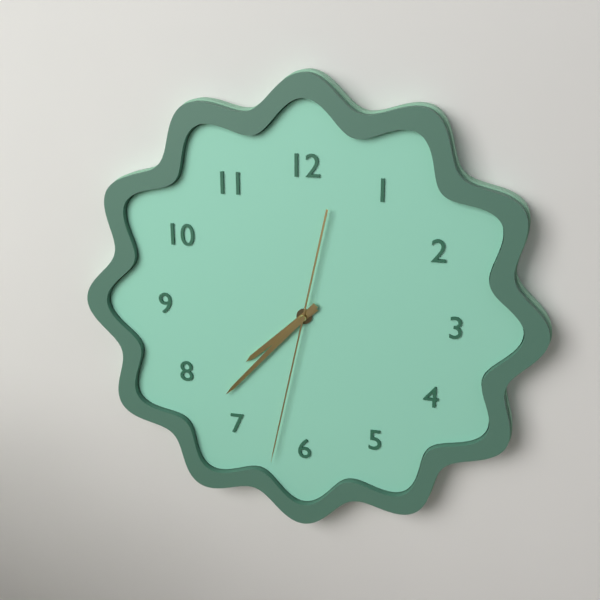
7:37:32
